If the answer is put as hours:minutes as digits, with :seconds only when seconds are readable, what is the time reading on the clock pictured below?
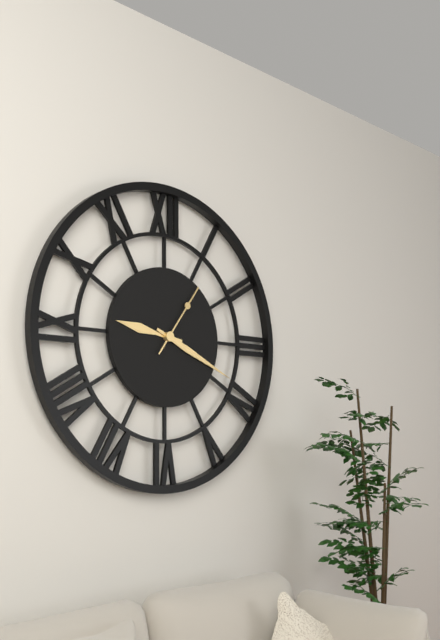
9:19:06
